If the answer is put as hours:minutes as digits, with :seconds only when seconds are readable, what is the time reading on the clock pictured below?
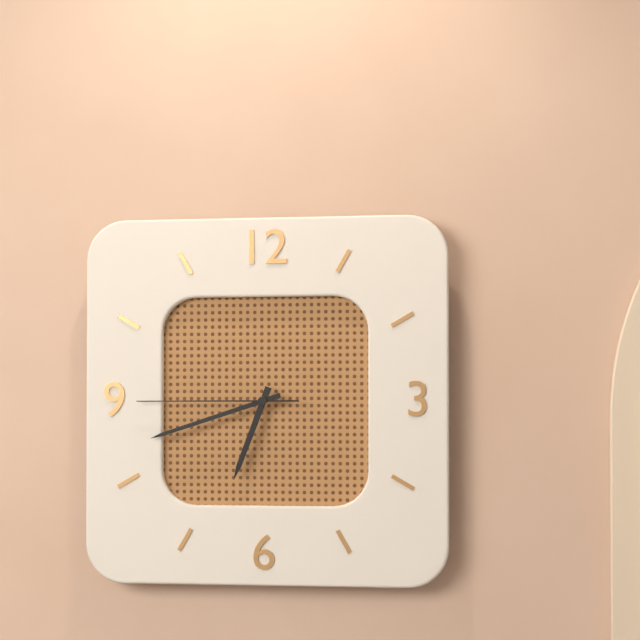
6:42:45
